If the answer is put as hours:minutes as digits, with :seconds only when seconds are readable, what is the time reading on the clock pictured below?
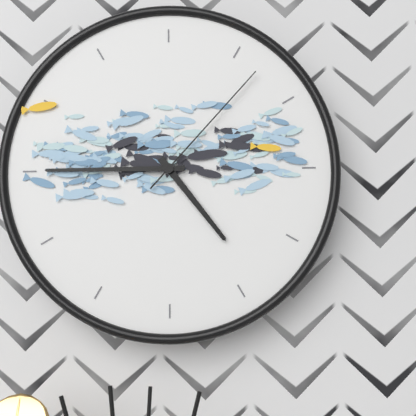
4:45:07
